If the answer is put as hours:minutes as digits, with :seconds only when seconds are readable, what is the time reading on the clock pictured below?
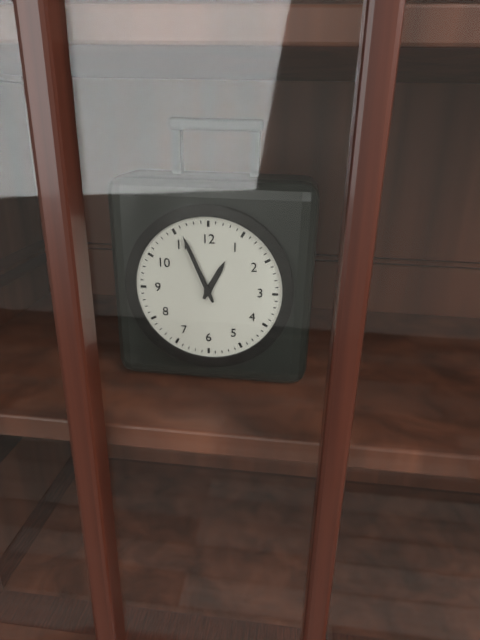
12:56
